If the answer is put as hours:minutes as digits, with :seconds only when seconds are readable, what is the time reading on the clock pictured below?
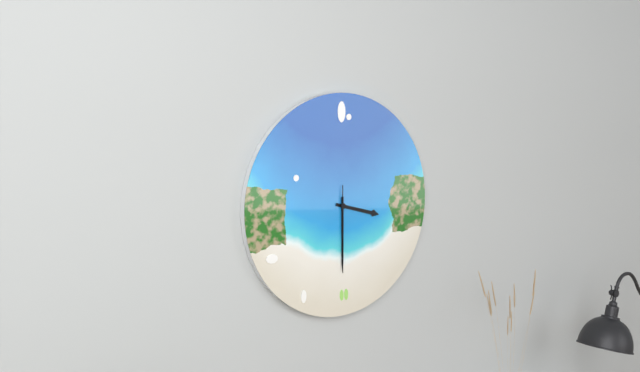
3:30:30
